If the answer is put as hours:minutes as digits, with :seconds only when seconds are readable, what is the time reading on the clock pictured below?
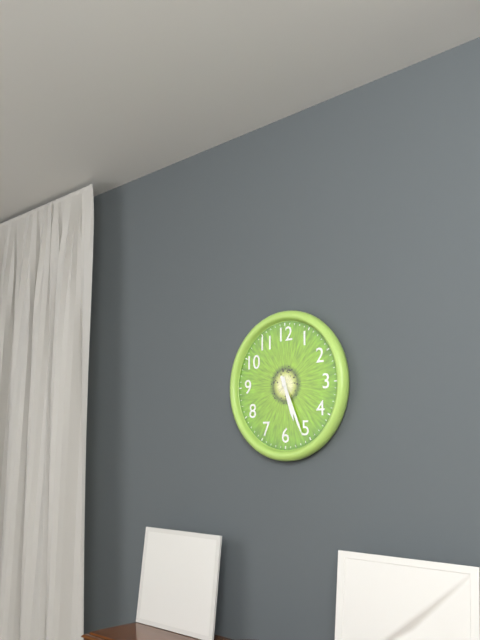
5:26
